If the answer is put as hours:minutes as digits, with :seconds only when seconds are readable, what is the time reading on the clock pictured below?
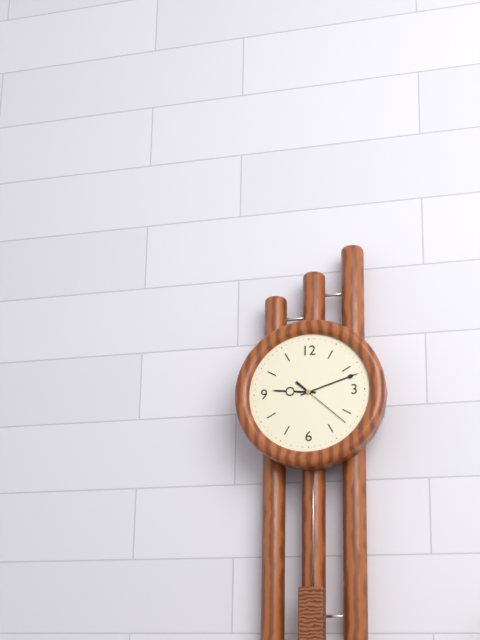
9:12:22
